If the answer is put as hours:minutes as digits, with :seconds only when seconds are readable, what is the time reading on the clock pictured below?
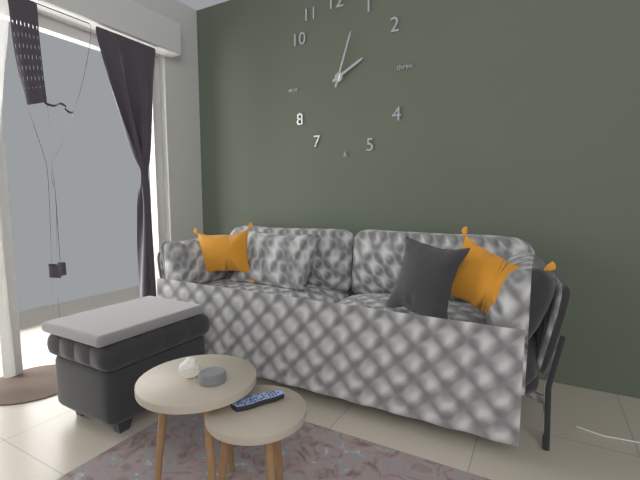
2:03
